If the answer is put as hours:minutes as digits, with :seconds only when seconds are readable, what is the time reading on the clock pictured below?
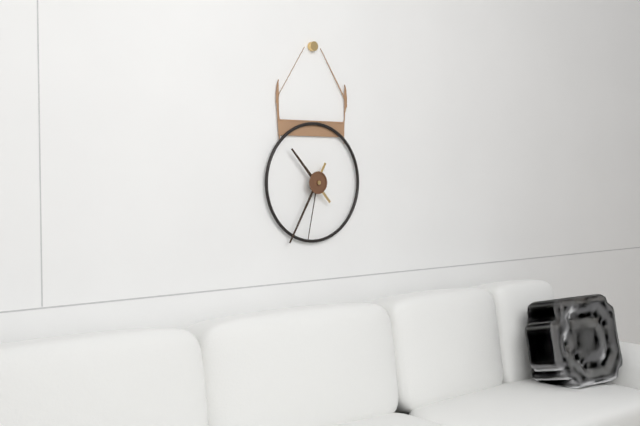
10:35:32
